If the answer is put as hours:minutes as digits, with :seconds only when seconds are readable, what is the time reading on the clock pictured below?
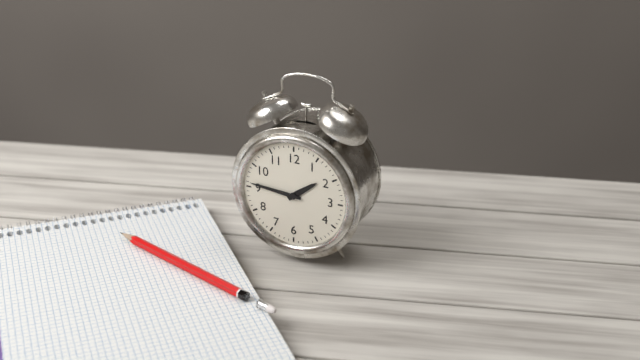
1:46
